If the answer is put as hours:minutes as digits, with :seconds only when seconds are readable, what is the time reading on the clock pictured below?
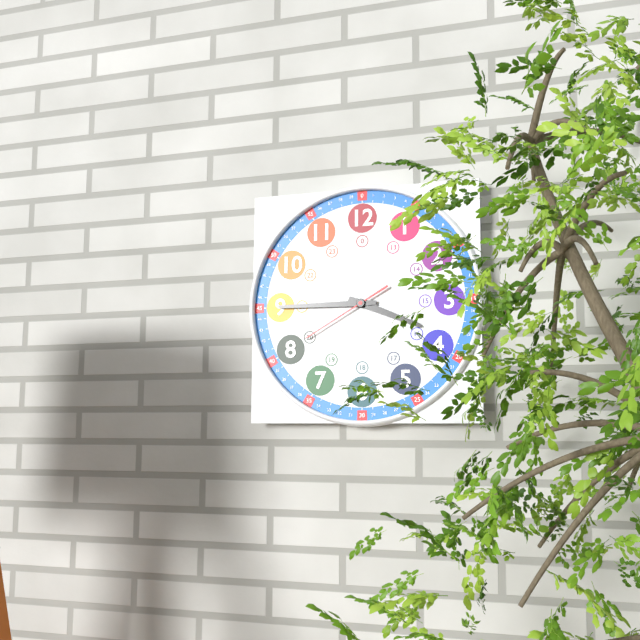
3:45:40
